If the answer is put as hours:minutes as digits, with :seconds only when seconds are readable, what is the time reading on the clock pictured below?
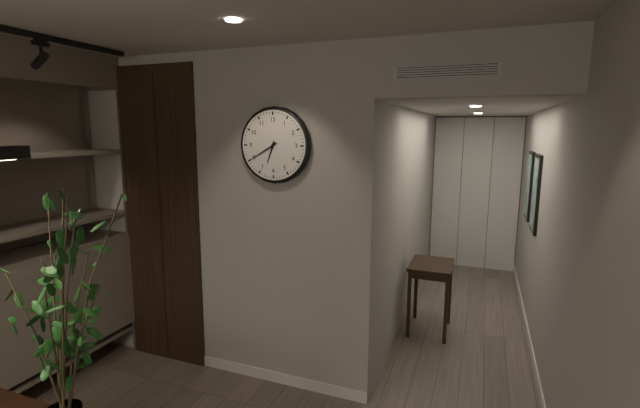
6:40
